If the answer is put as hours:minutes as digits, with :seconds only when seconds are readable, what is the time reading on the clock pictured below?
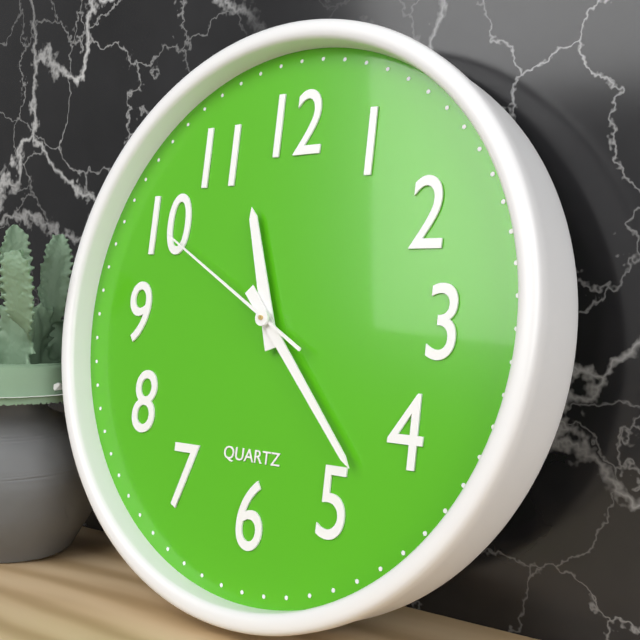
11:23:50
